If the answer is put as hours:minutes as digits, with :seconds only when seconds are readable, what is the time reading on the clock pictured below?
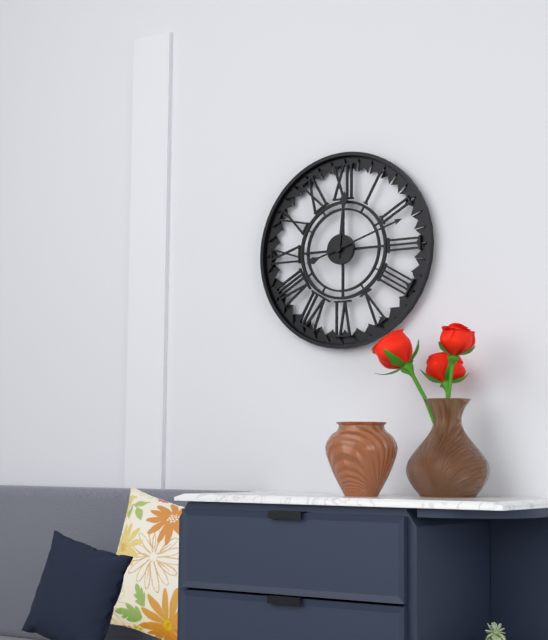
12:12
